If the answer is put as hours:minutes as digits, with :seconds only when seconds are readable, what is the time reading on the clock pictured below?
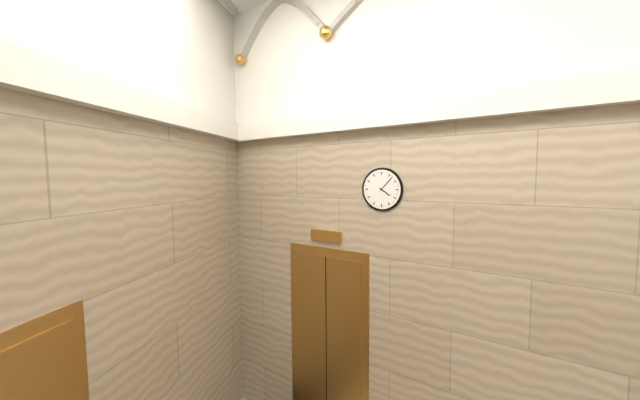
4:07
